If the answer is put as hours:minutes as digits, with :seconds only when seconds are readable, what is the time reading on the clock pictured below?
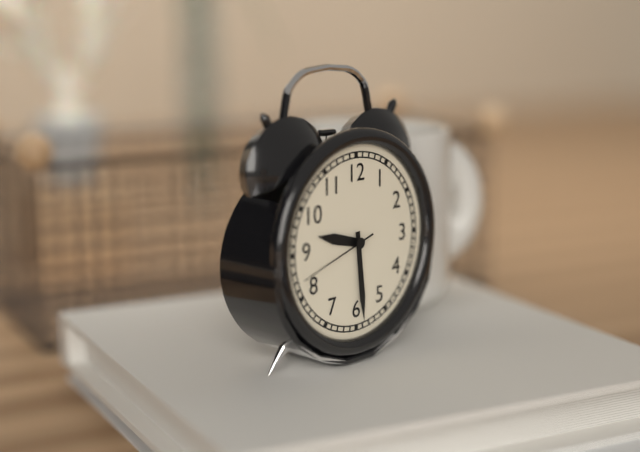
9:29:42
